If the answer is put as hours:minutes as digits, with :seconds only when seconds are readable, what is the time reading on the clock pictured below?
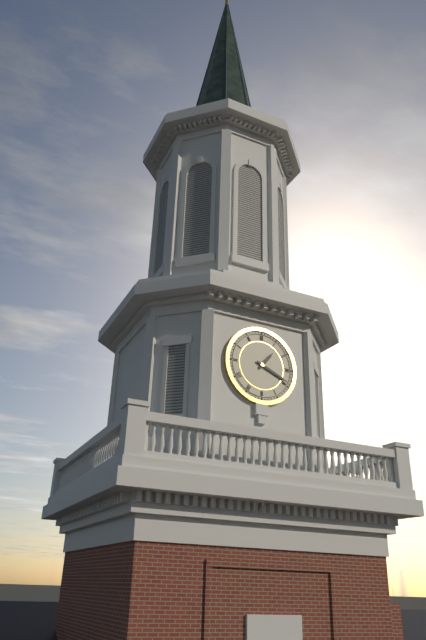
1:19
